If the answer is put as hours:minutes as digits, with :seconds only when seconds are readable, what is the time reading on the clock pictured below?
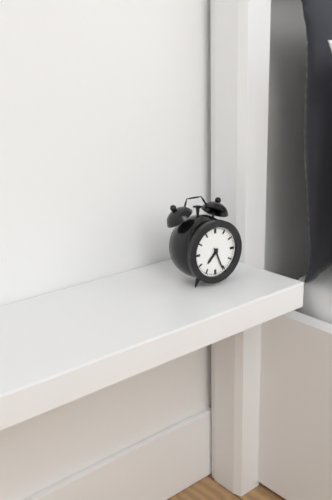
7:26
